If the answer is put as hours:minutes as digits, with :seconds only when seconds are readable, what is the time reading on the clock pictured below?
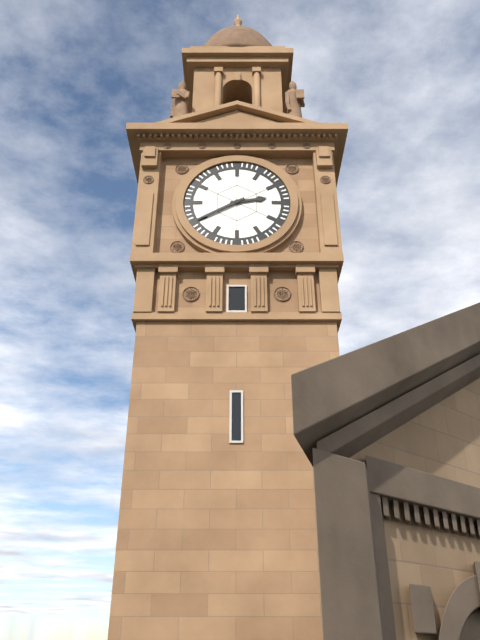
2:40
